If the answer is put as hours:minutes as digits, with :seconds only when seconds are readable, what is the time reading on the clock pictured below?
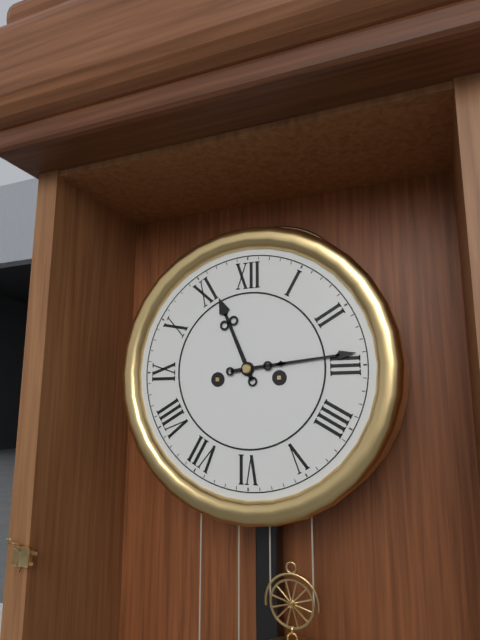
11:14
